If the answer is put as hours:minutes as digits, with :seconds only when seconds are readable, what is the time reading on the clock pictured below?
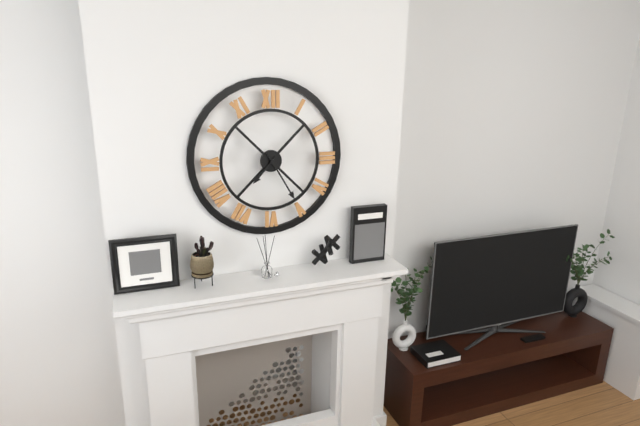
7:25
